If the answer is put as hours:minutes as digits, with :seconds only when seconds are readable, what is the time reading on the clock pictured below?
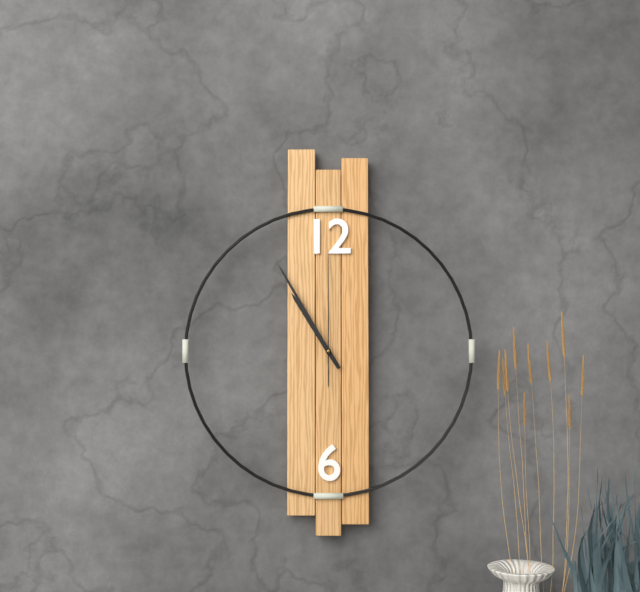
10:55:00
